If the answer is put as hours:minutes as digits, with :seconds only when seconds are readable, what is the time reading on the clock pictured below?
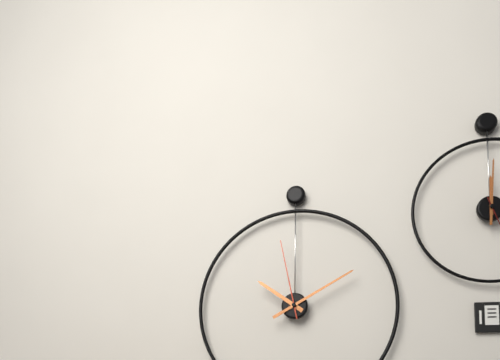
10:10:58
